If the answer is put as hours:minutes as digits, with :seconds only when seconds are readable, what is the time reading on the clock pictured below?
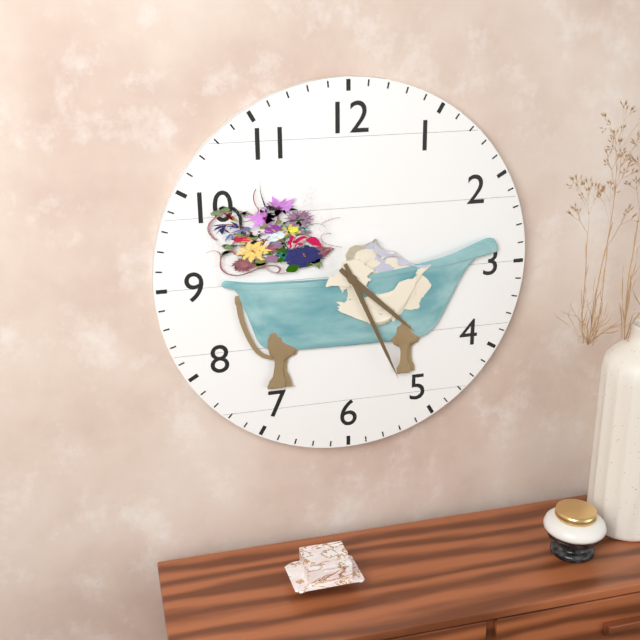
4:26
